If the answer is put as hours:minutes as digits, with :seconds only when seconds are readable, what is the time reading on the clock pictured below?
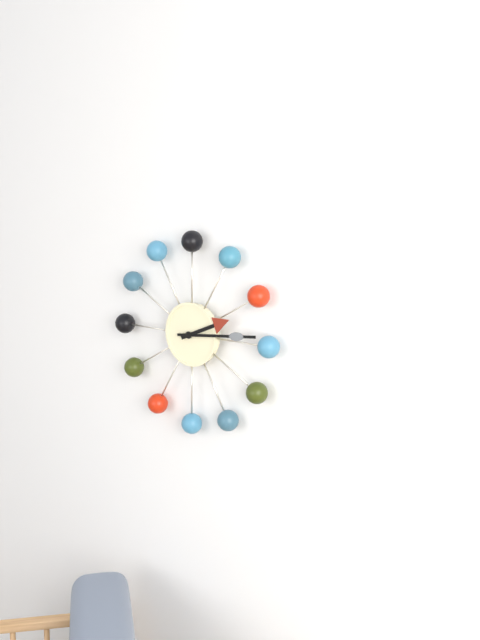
2:14
